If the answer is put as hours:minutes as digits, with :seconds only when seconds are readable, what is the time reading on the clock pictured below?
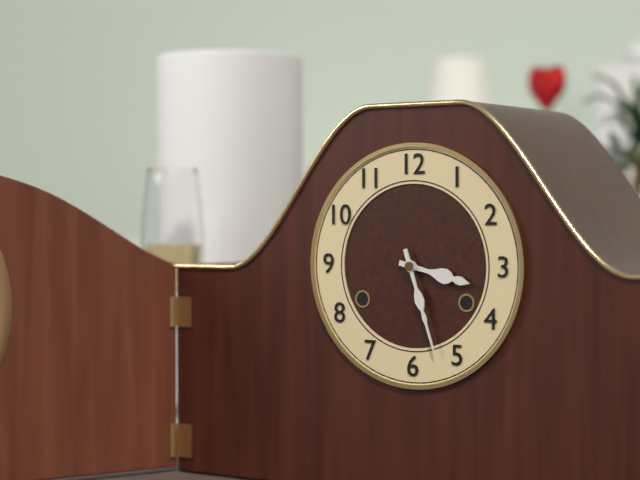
3:27
